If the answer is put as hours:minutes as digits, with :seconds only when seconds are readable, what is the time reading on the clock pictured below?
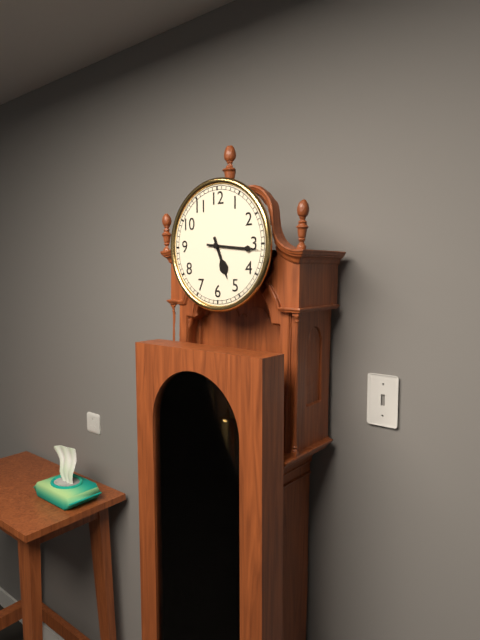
5:16
